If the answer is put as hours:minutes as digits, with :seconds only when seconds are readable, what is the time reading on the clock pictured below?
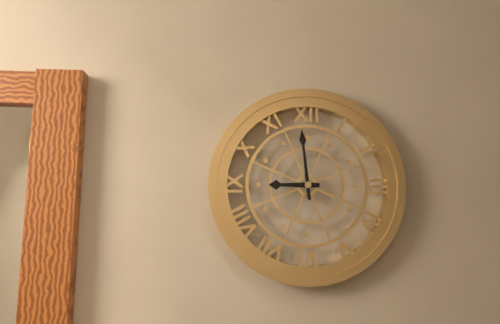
8:59
